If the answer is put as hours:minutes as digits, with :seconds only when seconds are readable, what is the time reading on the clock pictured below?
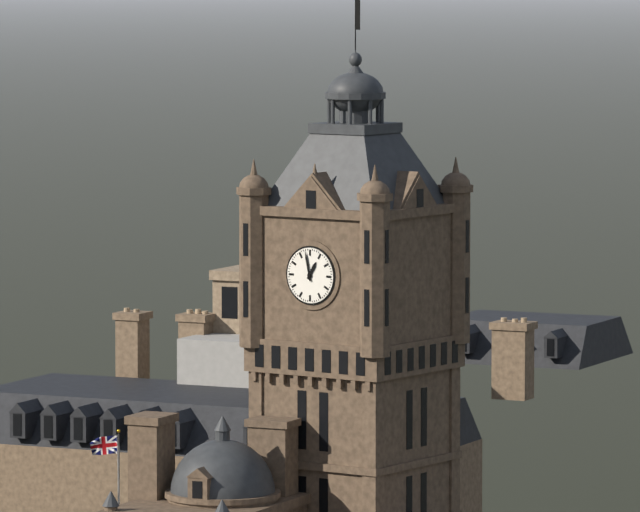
12:58
